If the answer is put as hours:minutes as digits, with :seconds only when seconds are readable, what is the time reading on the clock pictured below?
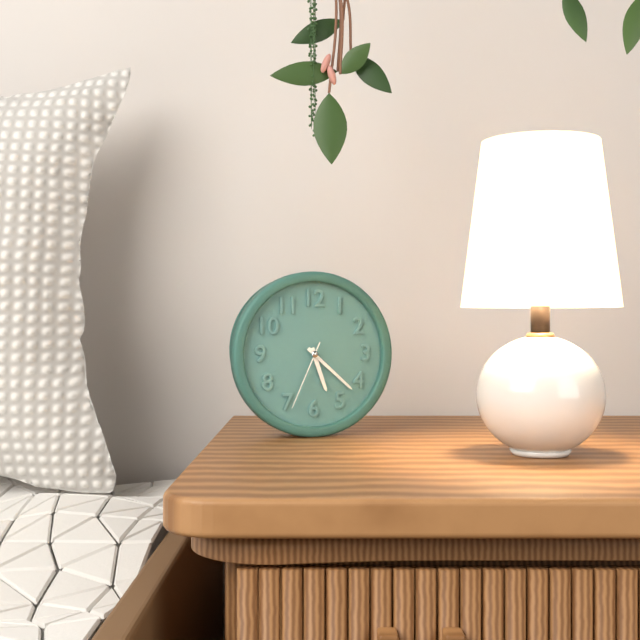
5:22:34
